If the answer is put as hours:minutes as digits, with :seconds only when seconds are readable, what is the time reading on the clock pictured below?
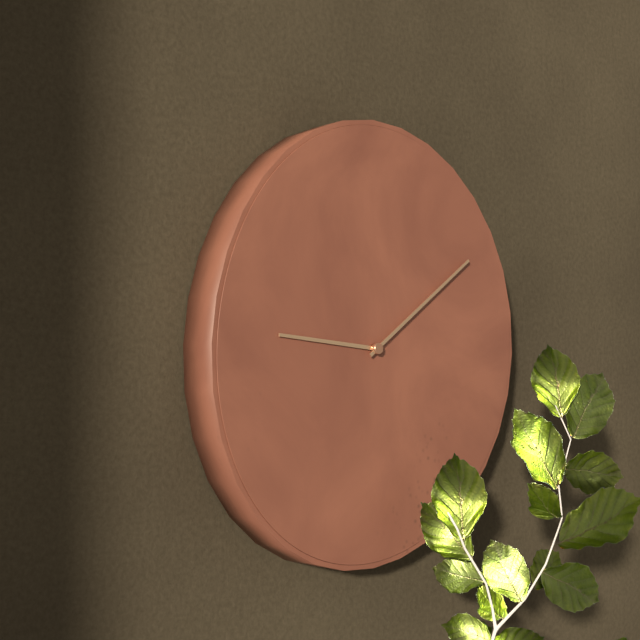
9:09
